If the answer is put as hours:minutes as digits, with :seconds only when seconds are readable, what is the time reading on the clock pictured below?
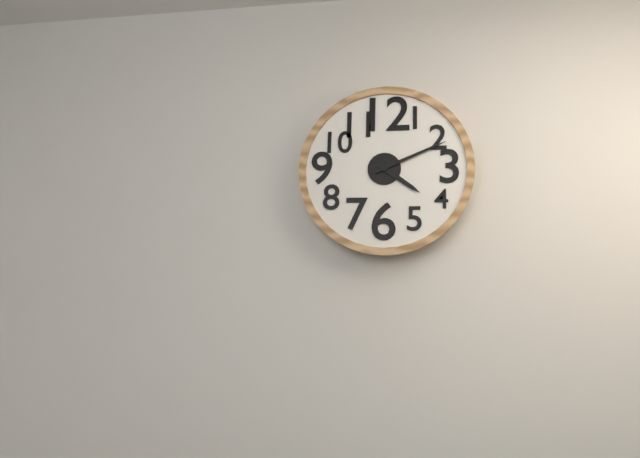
4:11
